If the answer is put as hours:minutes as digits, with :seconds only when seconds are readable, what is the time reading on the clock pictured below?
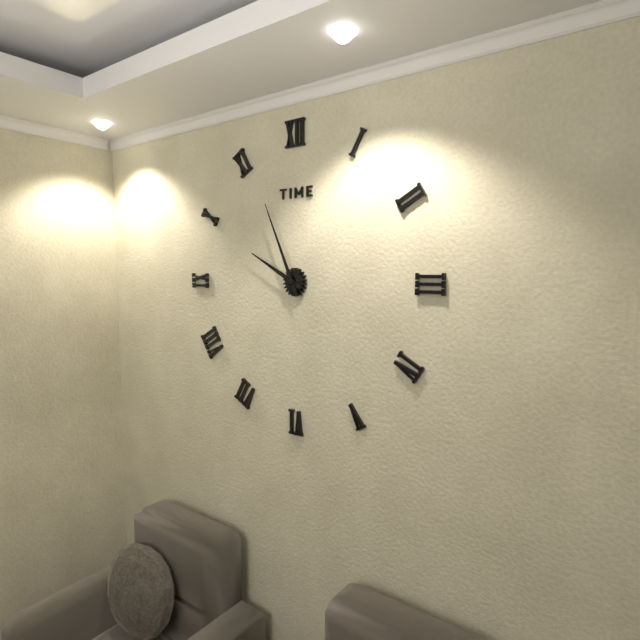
9:56
